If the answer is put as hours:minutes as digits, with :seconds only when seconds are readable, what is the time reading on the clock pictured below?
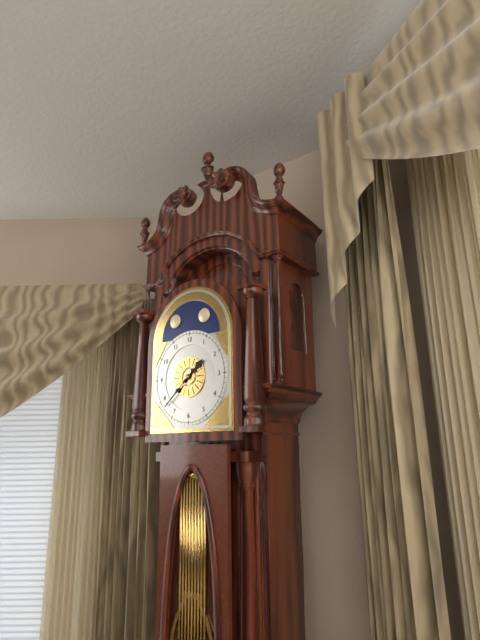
1:38
